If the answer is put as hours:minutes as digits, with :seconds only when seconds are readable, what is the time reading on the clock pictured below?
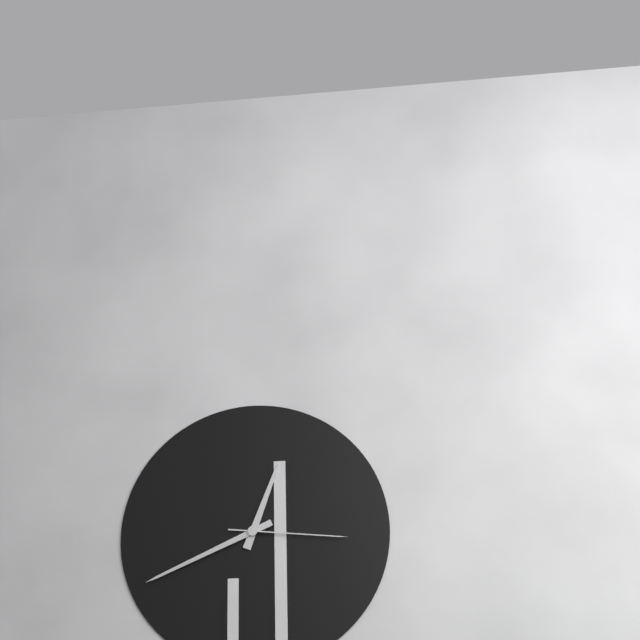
12:41:16
